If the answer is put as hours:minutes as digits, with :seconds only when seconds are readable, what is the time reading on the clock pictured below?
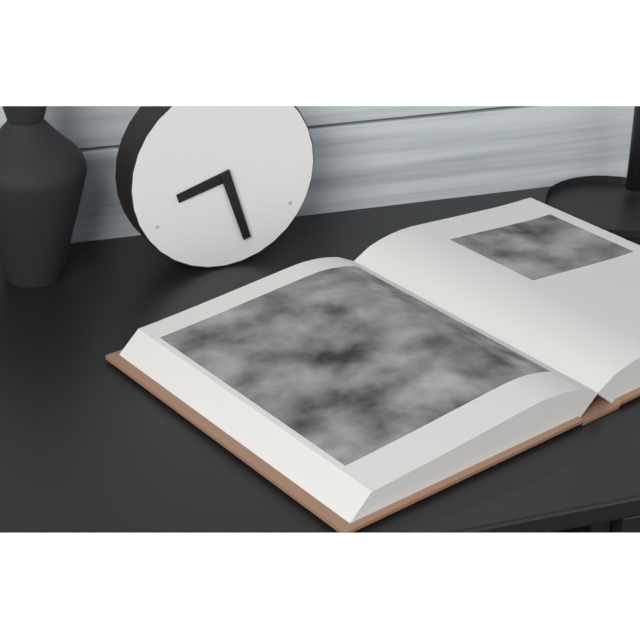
8:27
